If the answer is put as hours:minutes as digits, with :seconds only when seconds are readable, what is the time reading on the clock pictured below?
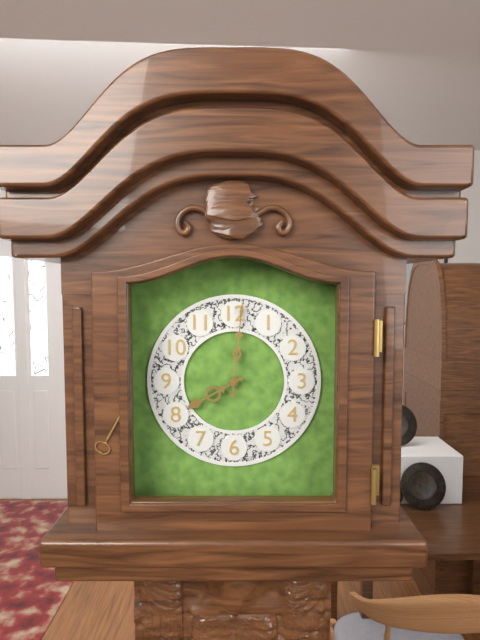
8:01
